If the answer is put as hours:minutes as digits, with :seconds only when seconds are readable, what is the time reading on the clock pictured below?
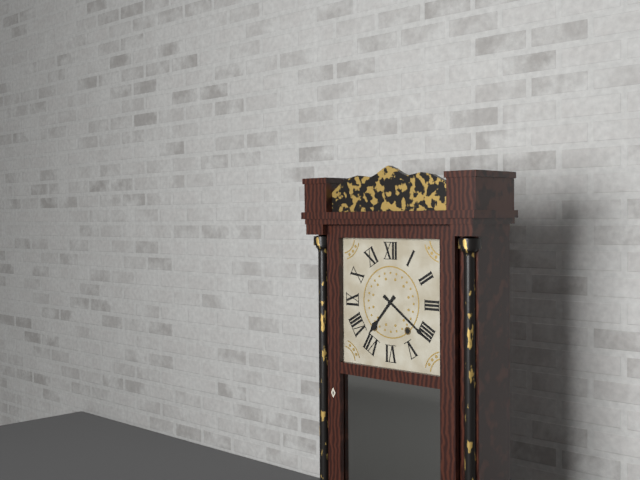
7:21
